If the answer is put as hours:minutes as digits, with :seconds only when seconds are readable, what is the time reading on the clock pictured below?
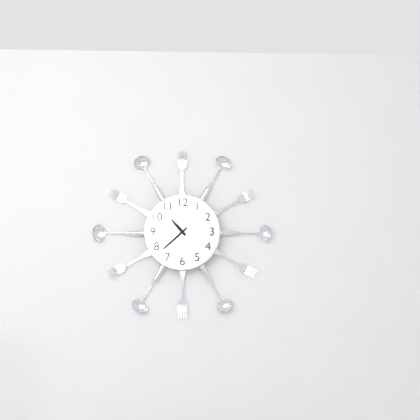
10:38
